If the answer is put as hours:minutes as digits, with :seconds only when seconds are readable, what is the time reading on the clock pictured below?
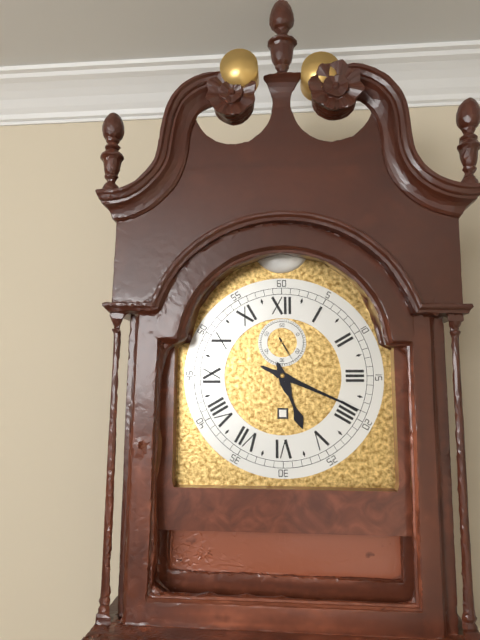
5:19
